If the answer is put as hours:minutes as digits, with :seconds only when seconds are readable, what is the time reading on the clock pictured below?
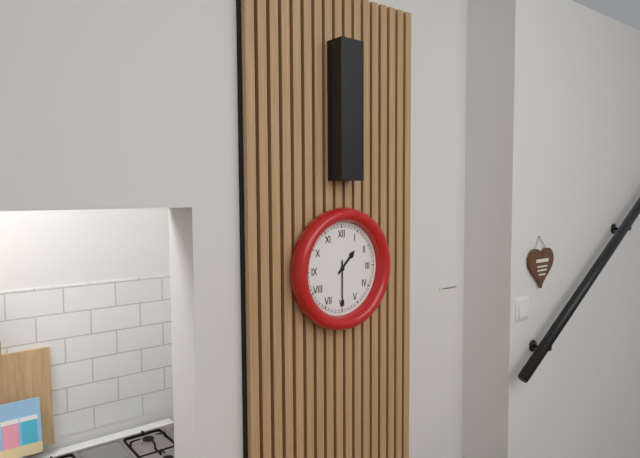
1:30
